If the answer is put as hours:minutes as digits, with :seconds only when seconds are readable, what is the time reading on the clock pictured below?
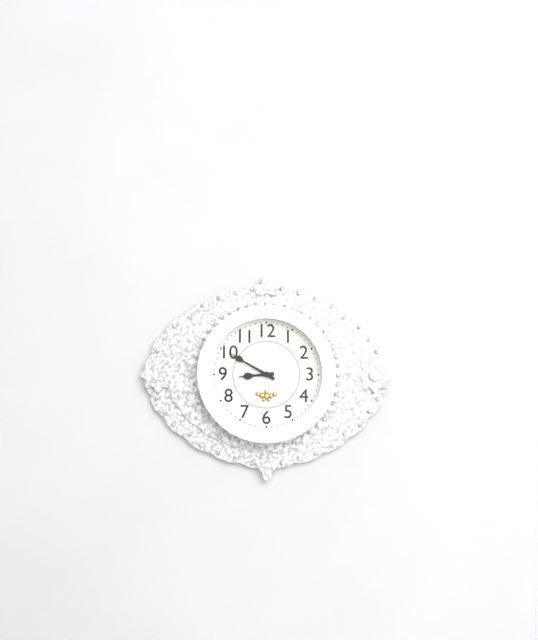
8:50
